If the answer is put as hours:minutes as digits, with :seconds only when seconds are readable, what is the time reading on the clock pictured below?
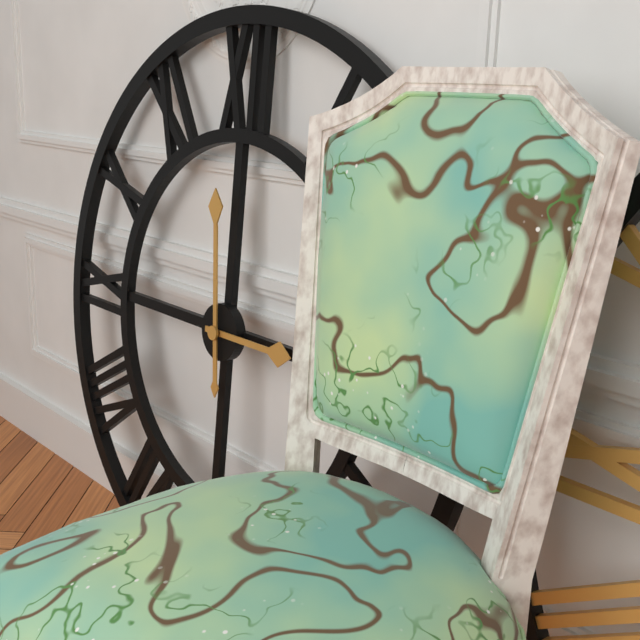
2:59
